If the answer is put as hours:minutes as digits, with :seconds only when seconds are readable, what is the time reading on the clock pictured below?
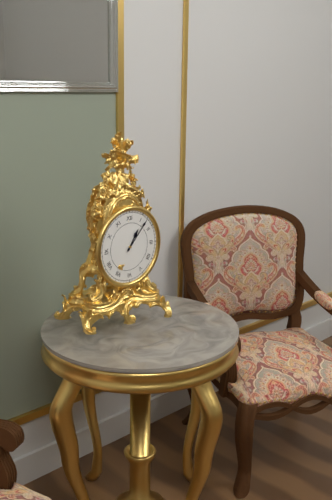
1:07
